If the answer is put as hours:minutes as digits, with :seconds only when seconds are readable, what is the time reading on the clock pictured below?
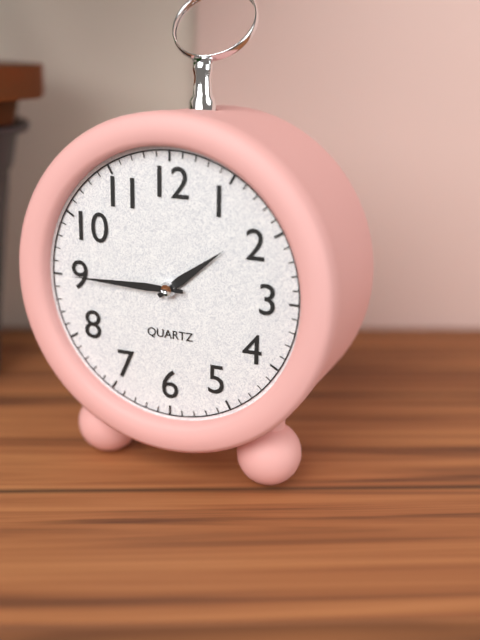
1:45
